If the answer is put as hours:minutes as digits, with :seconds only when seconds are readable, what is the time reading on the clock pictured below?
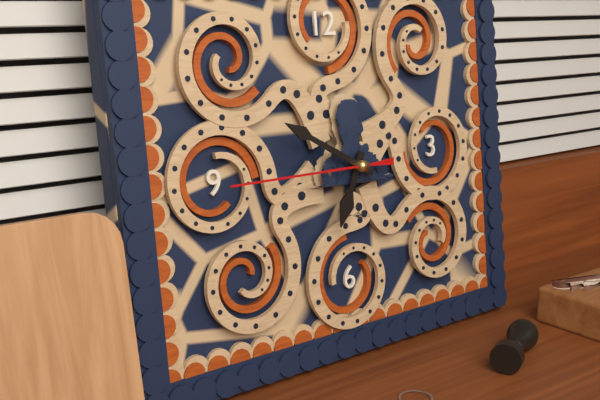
6:50:45
